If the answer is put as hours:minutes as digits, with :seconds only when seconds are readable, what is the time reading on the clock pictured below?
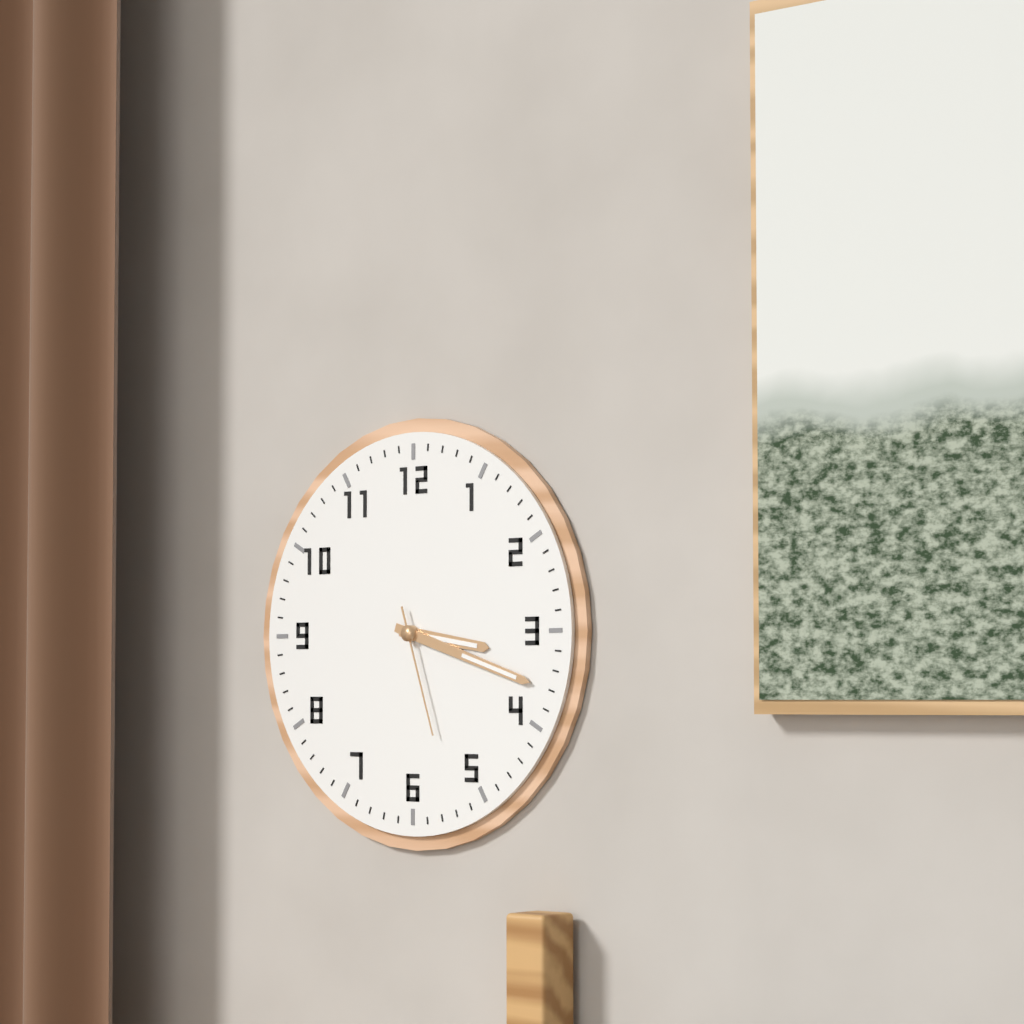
3:18:27
